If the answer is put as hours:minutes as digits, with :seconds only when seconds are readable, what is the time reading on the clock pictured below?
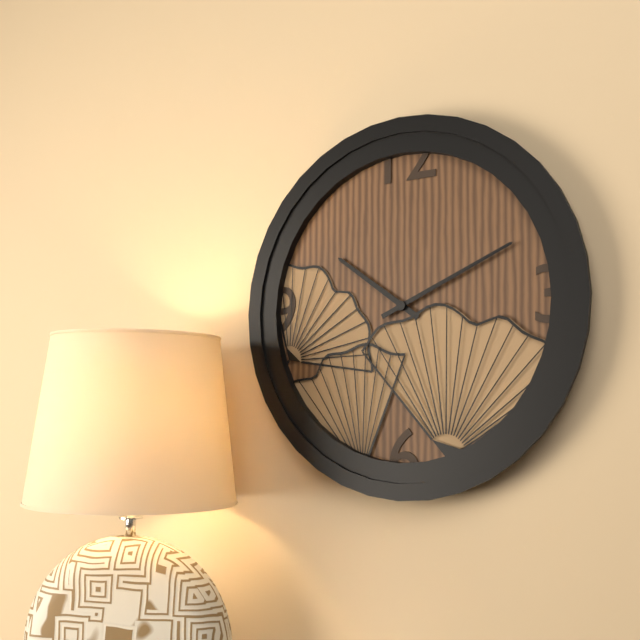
10:11
